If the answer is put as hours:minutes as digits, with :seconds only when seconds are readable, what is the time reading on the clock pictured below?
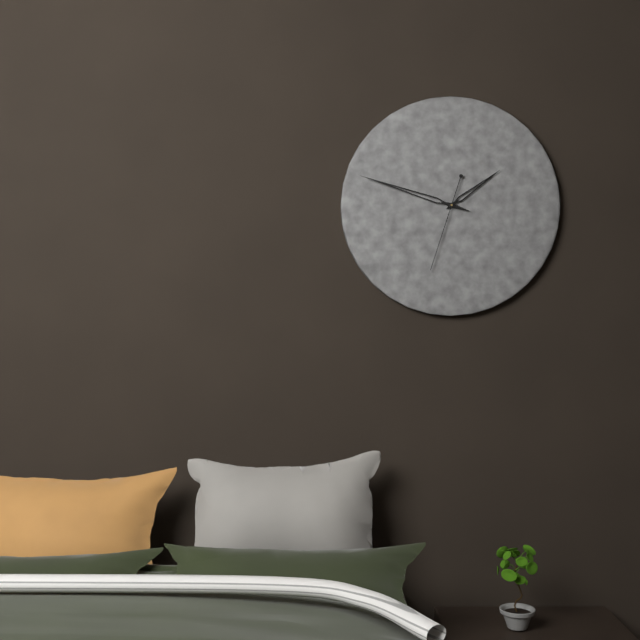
1:48:33
